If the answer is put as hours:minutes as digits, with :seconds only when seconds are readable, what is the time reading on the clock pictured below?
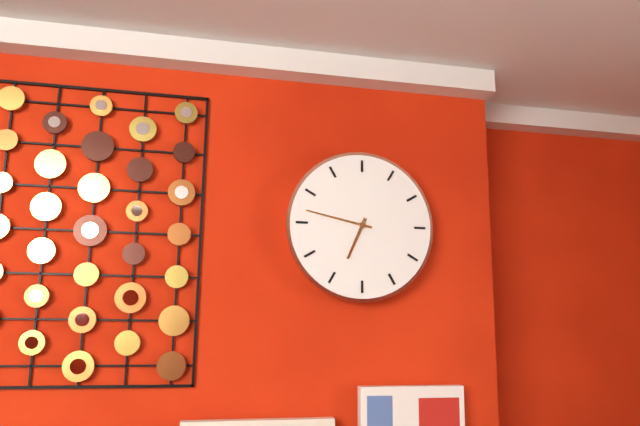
6:47
